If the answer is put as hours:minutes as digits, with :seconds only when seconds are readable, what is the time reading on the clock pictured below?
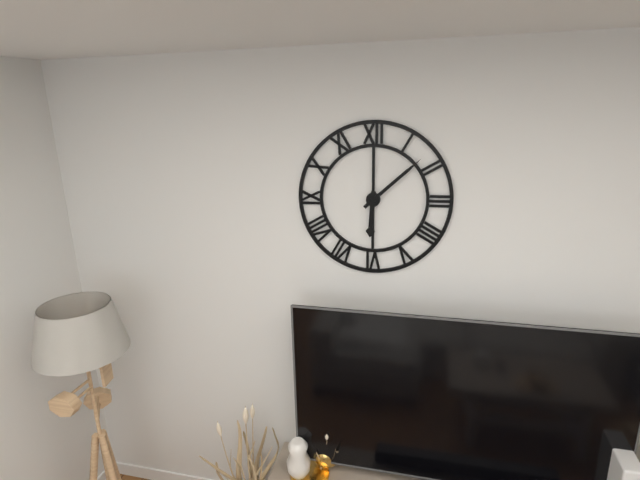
6:08
